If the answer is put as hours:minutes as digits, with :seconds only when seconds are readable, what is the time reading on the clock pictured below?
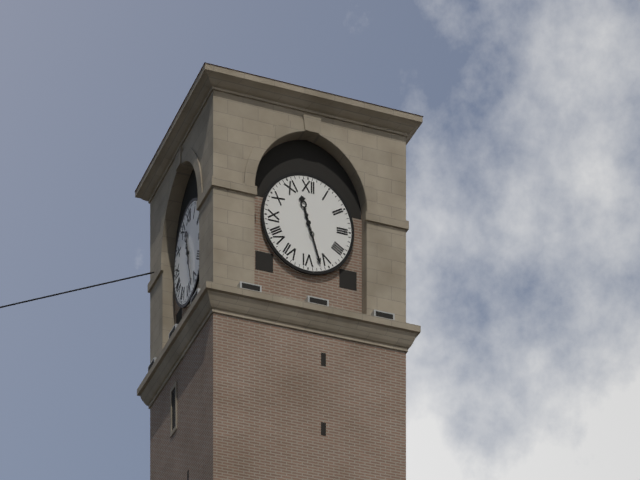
11:27
